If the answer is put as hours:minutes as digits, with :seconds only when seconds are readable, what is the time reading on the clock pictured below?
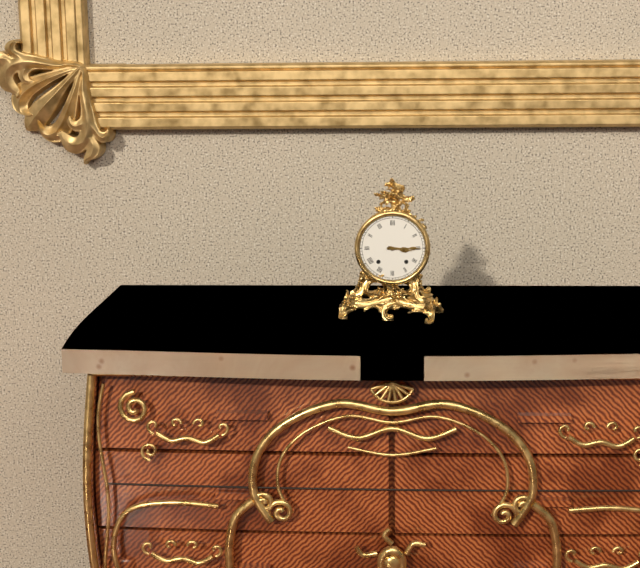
3:15
